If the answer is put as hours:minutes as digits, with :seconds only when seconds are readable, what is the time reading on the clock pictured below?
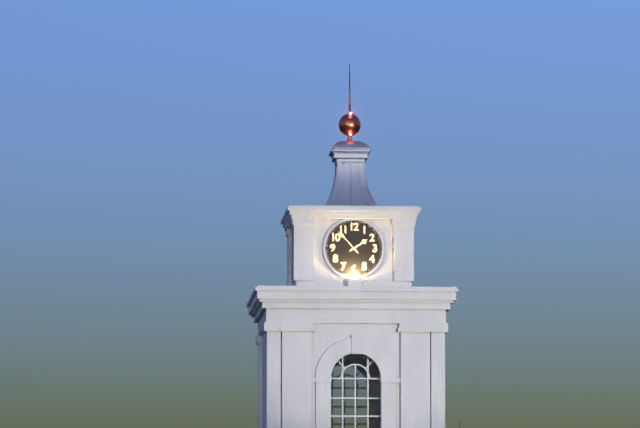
1:53
